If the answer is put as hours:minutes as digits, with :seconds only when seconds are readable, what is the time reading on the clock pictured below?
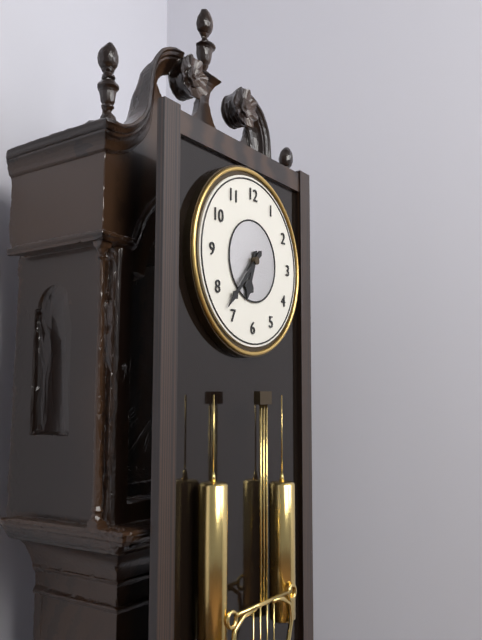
6:37
